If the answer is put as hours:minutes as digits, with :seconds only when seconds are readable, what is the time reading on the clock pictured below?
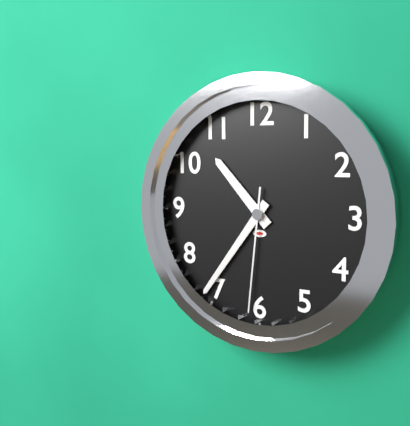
10:36:31
